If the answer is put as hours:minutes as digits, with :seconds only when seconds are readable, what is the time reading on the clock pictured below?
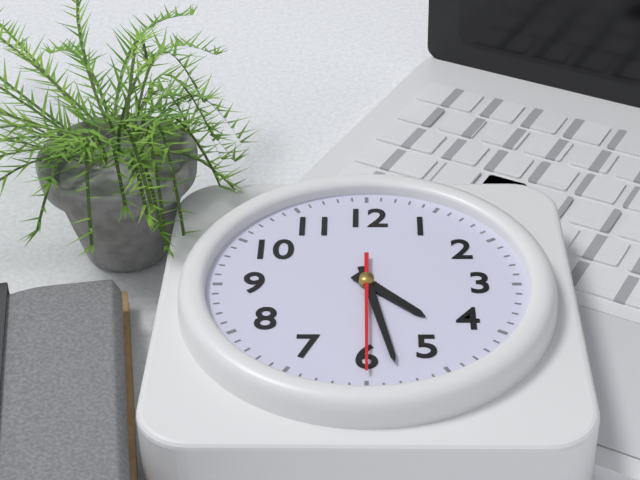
4:28:30
